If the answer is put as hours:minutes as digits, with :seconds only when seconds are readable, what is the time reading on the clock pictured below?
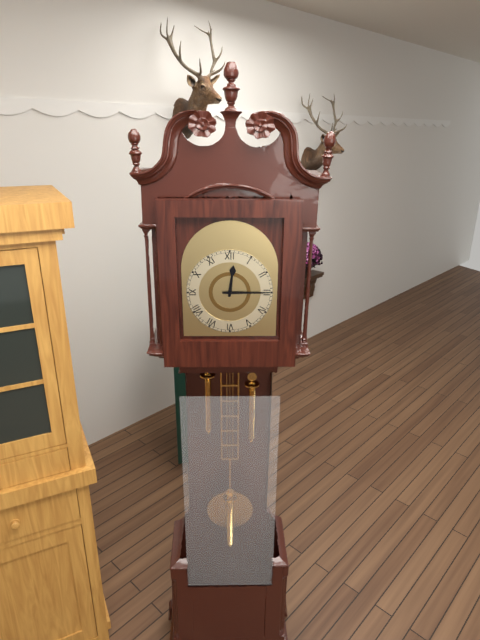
12:15
